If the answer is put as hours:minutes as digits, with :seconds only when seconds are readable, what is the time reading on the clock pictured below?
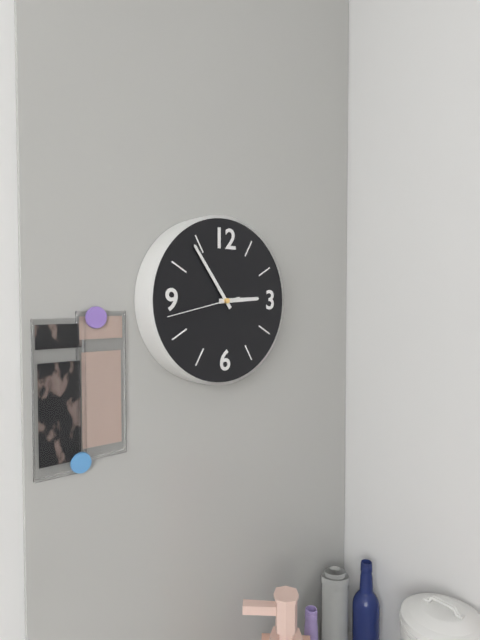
2:54:43
